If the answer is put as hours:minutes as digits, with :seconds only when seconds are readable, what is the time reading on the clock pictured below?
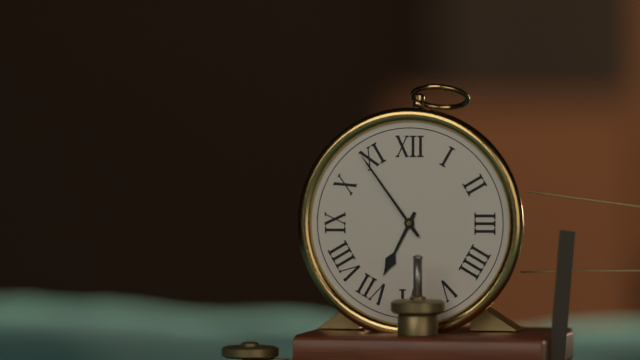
6:54
